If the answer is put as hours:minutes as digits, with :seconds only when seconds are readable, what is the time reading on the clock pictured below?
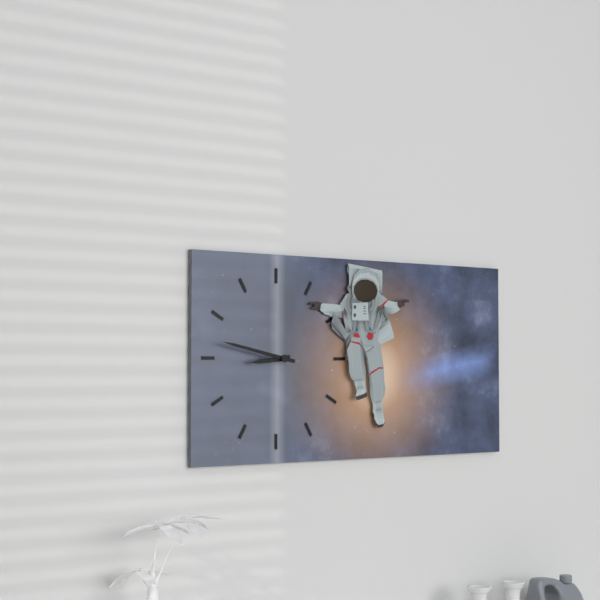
8:47
